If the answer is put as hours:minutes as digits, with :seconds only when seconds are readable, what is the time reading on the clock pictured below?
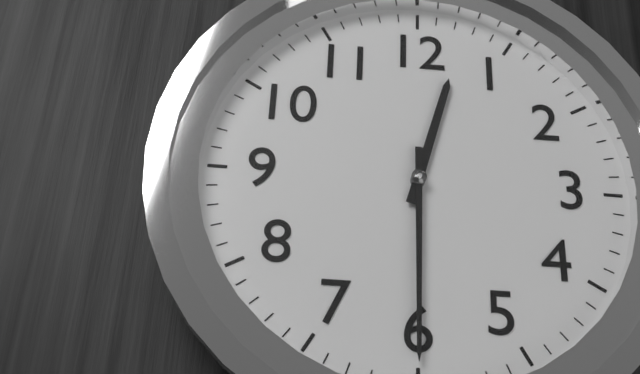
12:30
